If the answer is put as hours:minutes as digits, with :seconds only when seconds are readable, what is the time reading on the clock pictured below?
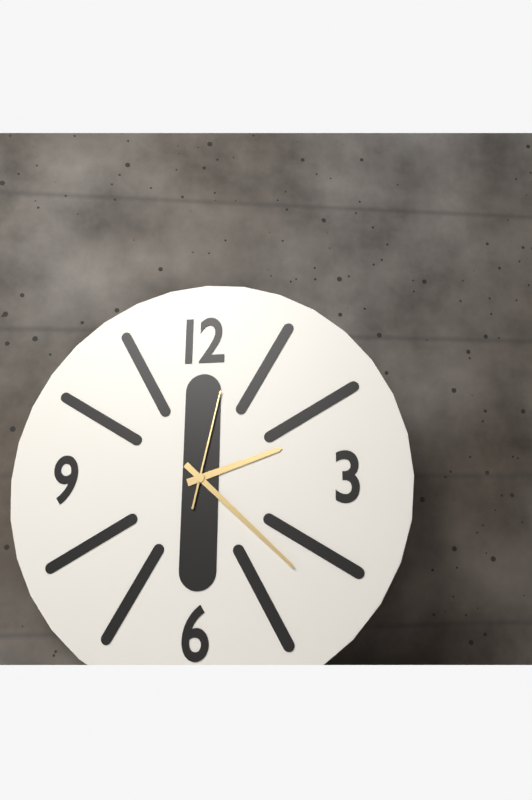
2:22:02
